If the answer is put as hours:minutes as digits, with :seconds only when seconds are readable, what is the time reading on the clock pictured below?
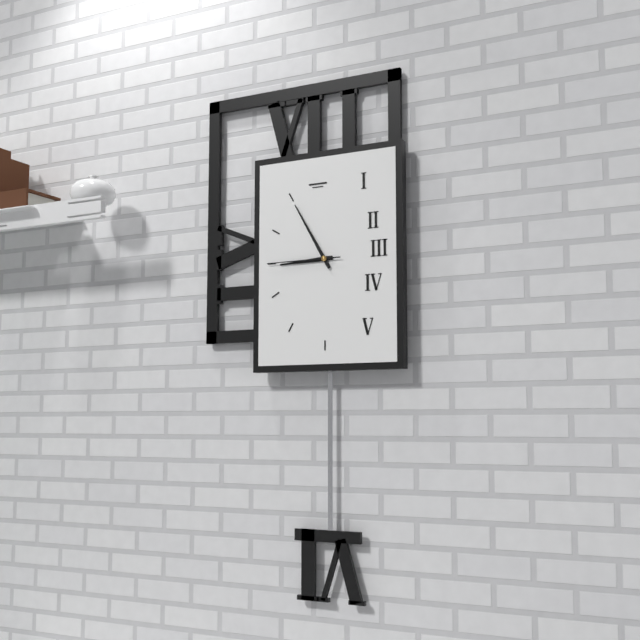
8:55:45
